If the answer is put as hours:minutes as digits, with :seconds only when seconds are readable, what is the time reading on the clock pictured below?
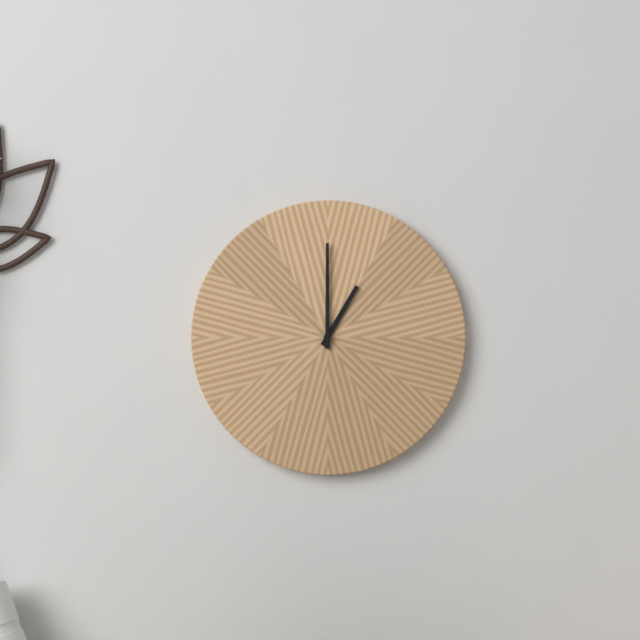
1:00
